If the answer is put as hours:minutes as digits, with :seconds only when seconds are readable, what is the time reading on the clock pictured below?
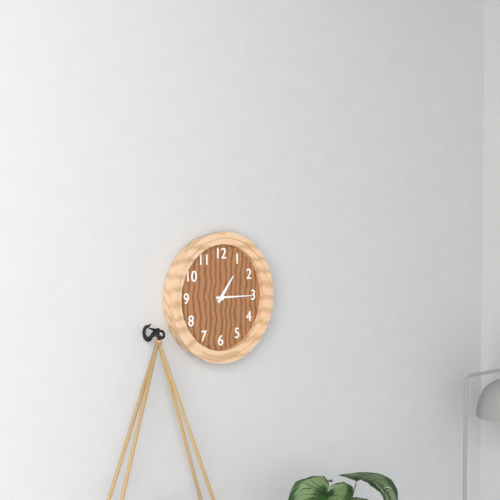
1:15
